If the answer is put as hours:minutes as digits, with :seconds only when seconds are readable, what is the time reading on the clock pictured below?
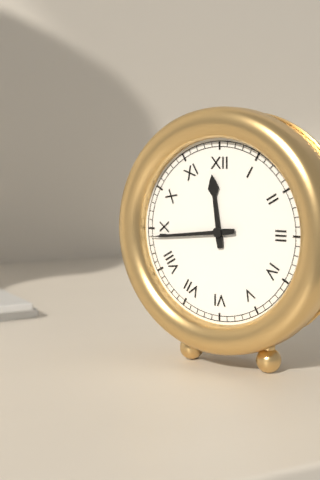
11:44
